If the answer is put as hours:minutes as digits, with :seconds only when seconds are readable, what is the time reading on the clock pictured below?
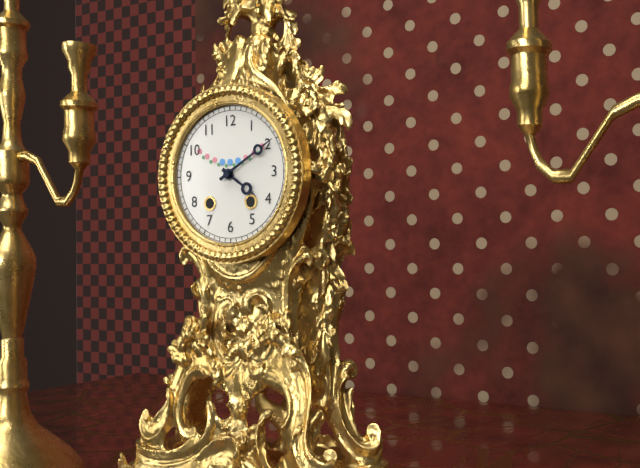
4:10
